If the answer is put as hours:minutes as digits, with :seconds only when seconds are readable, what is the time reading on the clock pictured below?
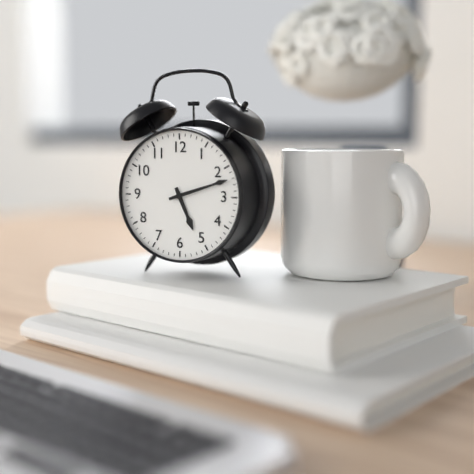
5:12
